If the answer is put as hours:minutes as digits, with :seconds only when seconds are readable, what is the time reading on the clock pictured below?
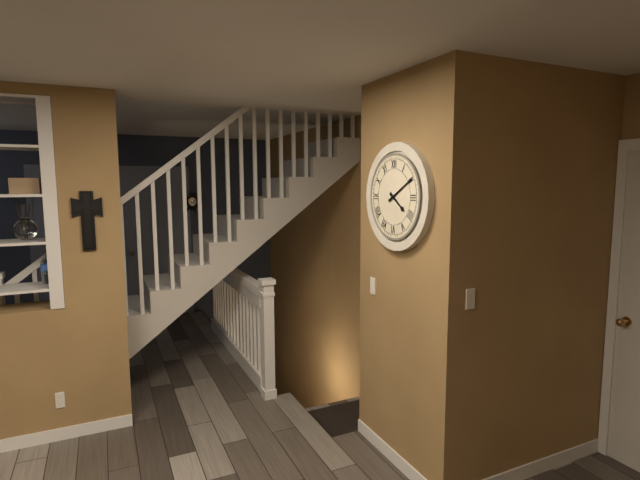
4:10
